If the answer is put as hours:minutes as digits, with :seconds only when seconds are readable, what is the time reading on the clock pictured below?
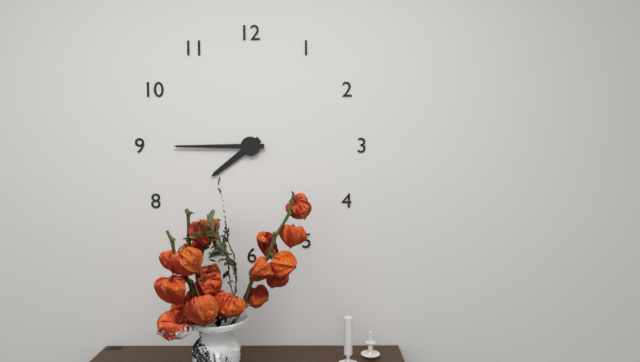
7:45
